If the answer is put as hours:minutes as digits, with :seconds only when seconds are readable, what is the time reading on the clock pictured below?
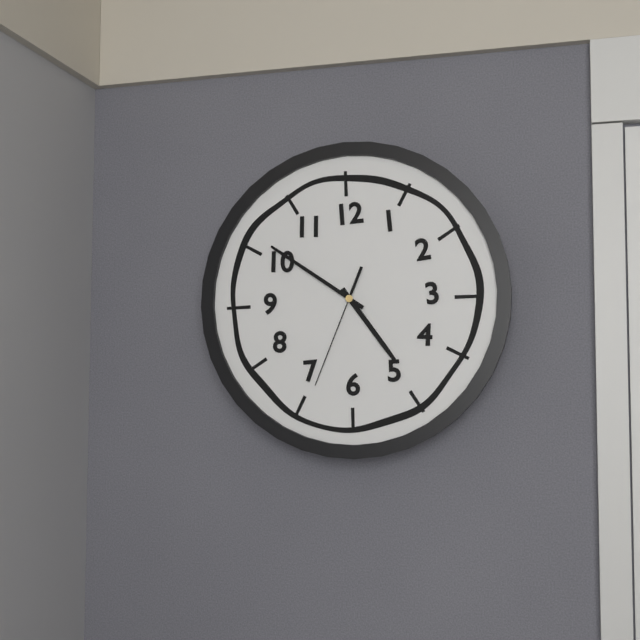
4:51:34
